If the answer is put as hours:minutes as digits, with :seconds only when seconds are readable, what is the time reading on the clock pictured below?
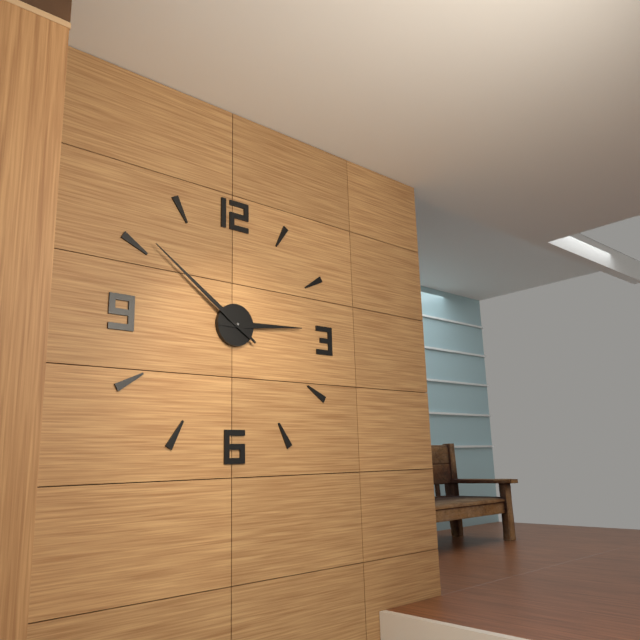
2:51
